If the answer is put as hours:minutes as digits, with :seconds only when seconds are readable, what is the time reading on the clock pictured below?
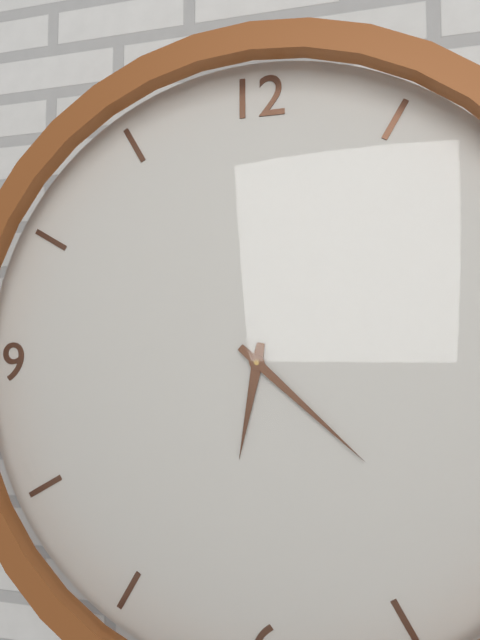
6:22
